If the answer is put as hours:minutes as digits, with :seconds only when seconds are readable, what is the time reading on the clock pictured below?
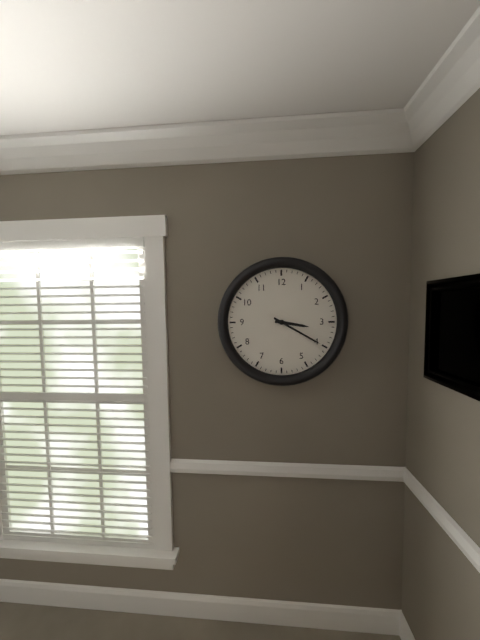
3:20
